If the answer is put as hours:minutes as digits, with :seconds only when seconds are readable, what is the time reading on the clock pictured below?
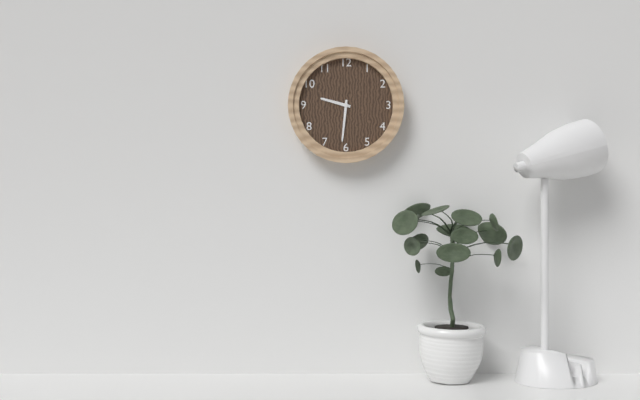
9:31
